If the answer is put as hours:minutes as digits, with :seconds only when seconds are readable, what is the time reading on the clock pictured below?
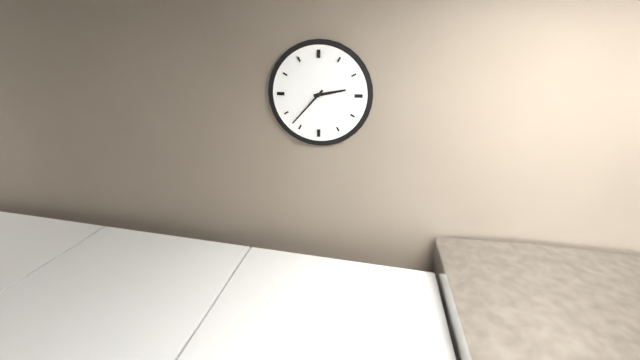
2:37
